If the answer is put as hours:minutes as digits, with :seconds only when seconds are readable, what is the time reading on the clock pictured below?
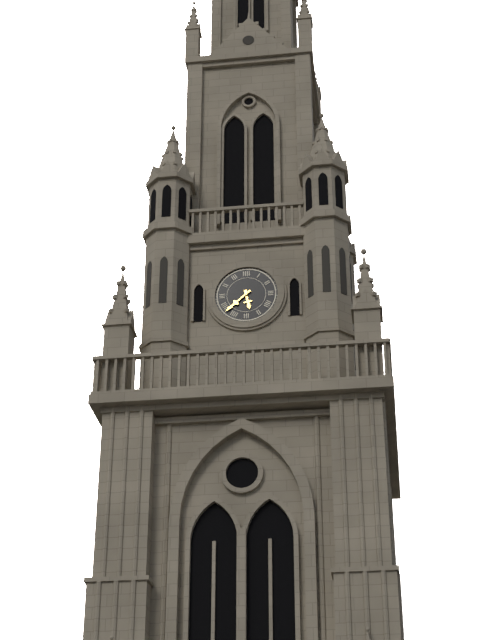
5:38
